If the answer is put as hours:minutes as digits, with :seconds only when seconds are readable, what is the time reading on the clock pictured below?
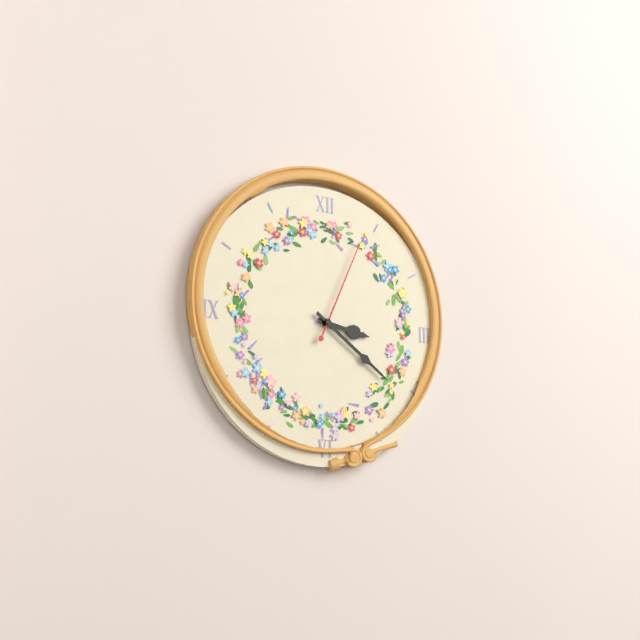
3:21:04
